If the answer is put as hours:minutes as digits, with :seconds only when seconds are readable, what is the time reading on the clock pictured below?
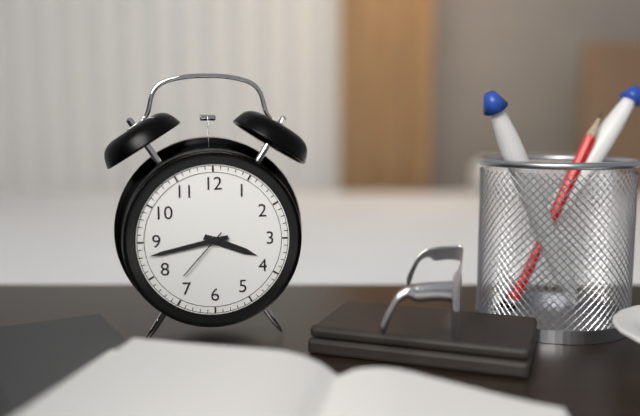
3:43:37
